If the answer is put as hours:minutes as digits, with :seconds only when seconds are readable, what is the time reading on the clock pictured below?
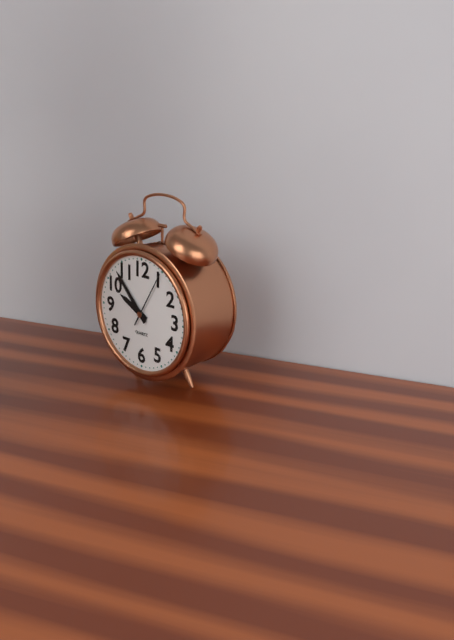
9:53:05
